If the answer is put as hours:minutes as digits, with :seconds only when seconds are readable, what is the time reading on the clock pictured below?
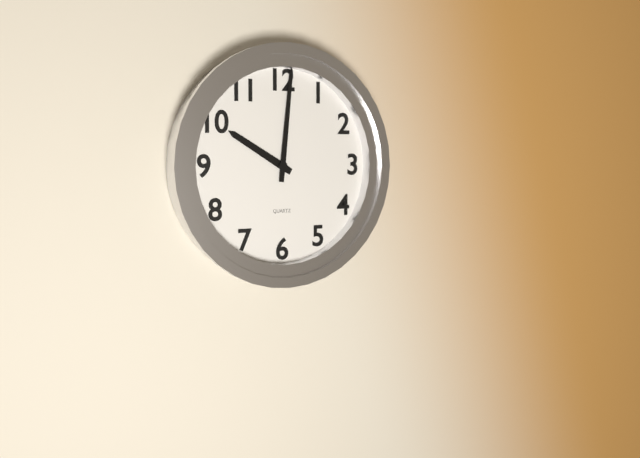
10:01
